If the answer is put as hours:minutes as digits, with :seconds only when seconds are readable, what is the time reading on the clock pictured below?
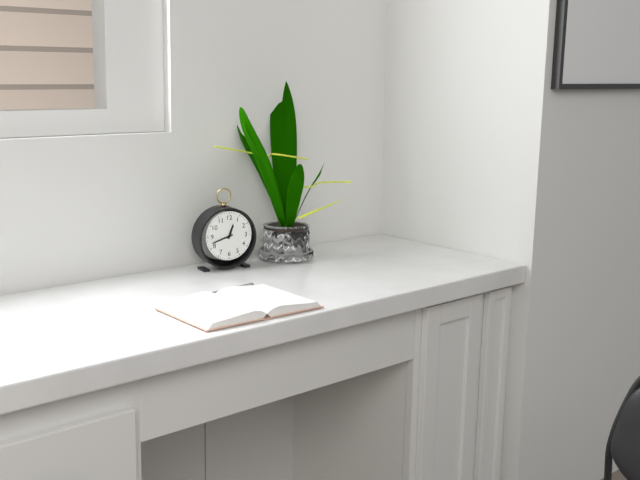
12:42
